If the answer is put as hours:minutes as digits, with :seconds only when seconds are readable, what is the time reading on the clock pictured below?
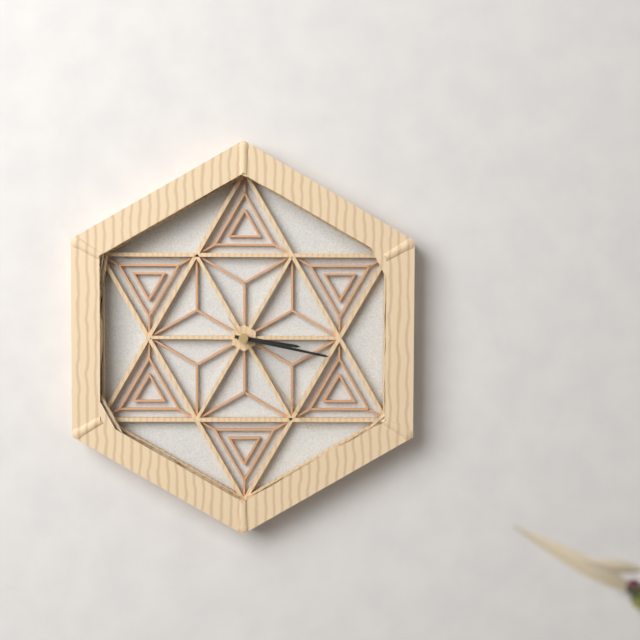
3:17:24
